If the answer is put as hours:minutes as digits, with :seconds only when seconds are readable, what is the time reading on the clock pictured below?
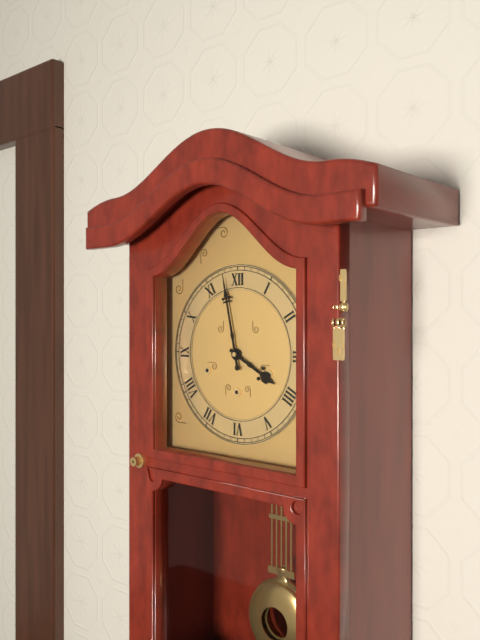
3:58
